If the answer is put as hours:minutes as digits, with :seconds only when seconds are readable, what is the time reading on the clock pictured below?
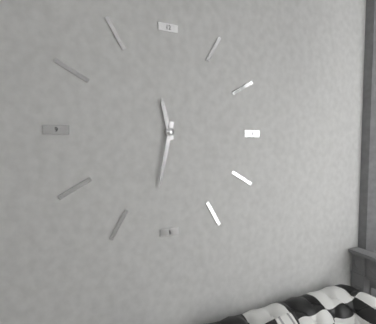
11:32
